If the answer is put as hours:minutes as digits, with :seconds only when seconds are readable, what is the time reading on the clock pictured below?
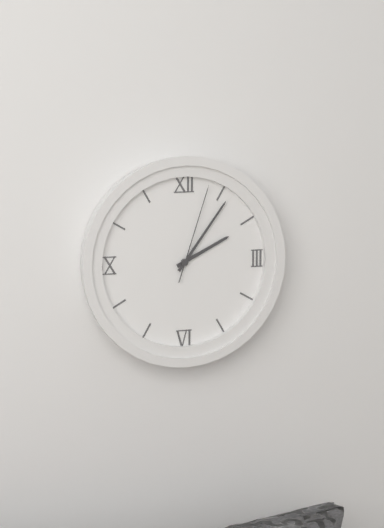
2:06:03
